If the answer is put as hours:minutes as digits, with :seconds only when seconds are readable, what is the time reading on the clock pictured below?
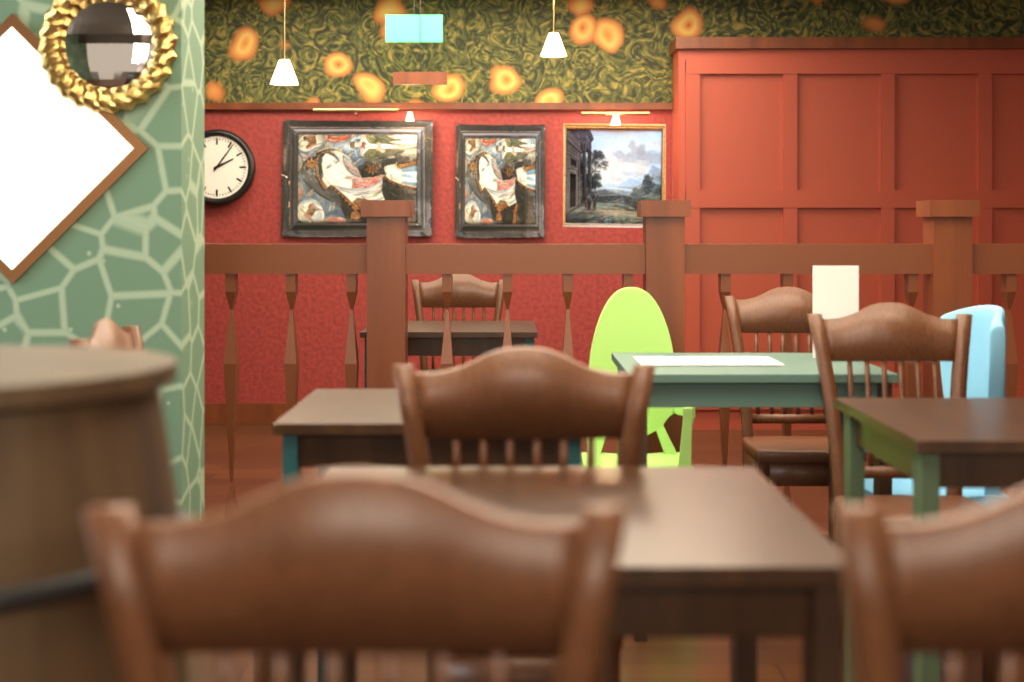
2:06
